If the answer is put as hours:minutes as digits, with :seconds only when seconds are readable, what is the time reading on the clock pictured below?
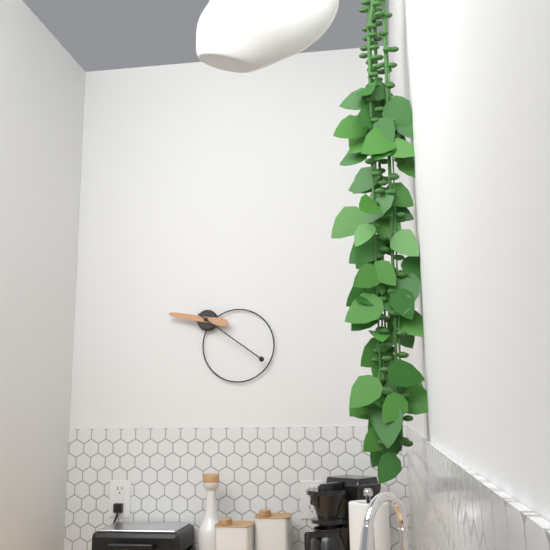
9:21
